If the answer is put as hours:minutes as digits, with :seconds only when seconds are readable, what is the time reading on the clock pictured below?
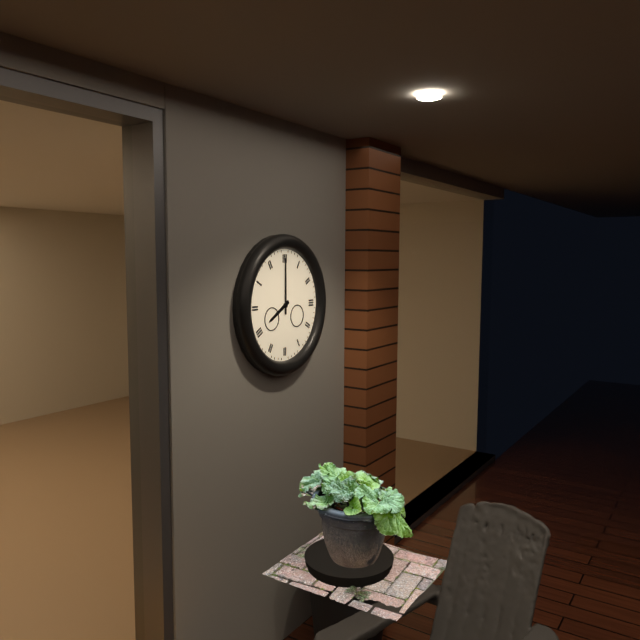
8:00
